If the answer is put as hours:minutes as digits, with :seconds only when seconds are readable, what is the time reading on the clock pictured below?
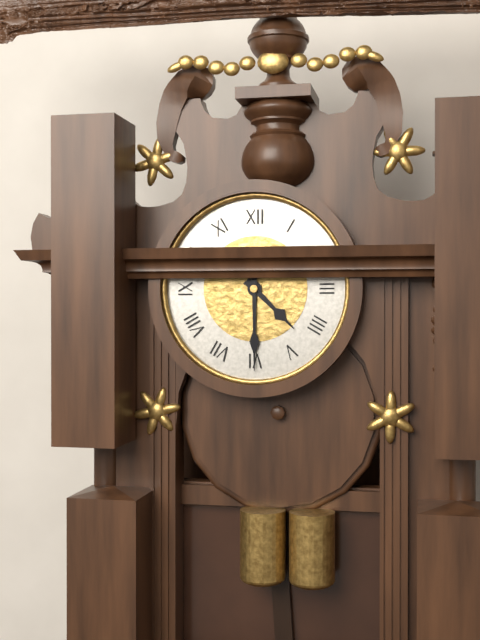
4:30
